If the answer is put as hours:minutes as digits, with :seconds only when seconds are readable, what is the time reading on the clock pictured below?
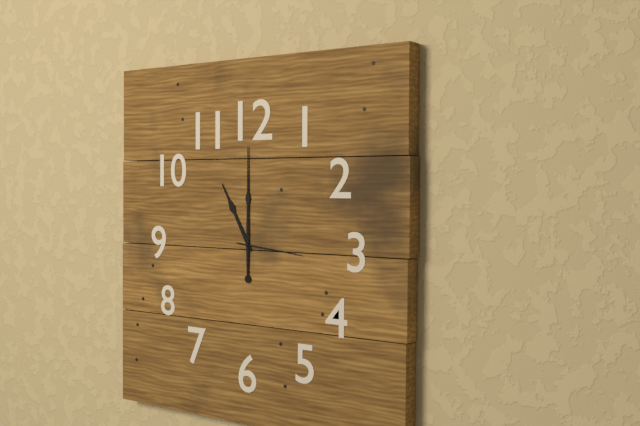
11:00:16
